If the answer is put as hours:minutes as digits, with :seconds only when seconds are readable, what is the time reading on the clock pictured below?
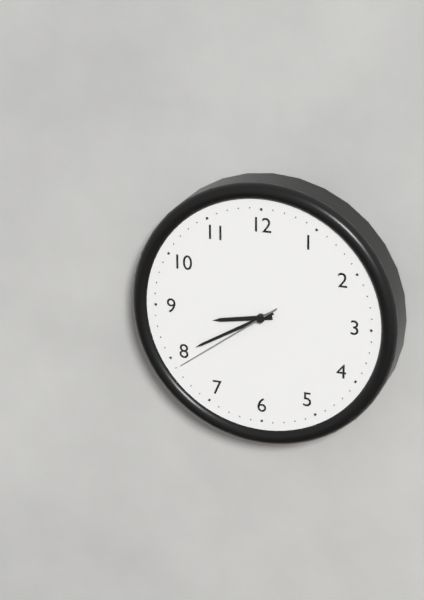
8:40:39
